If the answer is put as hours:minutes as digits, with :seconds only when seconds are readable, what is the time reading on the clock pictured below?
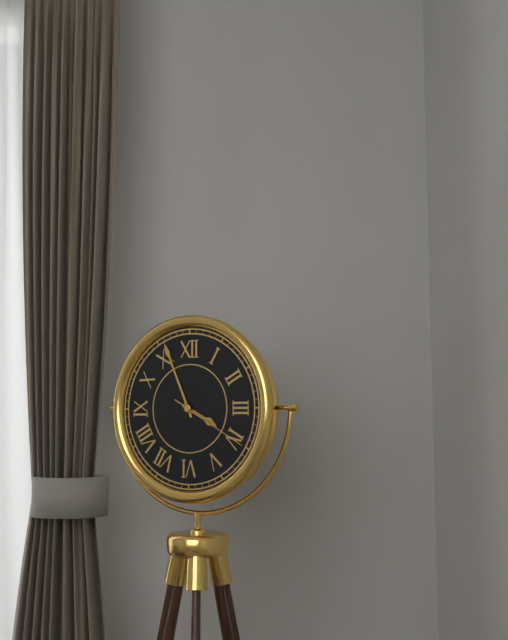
3:56:20
